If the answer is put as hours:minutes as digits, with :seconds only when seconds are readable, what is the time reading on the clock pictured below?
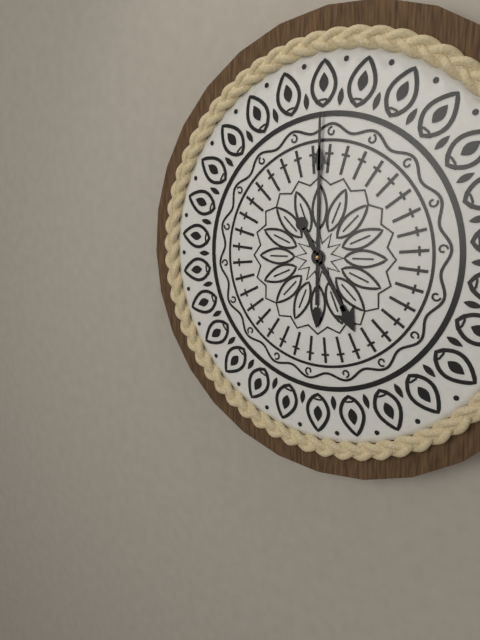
5:00
